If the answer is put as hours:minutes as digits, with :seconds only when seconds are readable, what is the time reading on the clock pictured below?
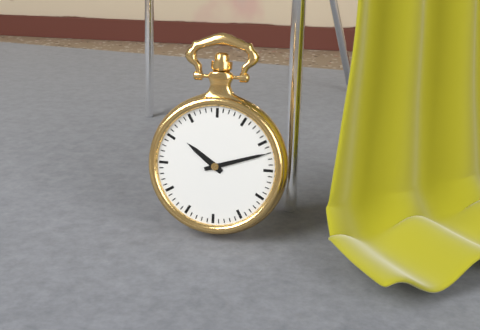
10:12
